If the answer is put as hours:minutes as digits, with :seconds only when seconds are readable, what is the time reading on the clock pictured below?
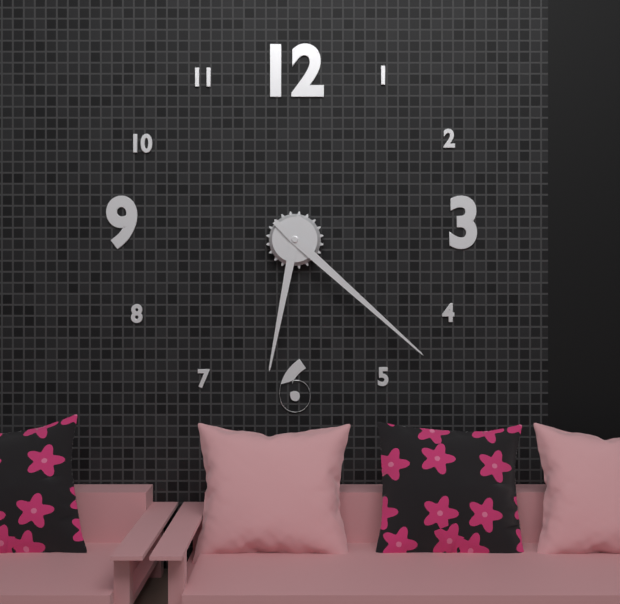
6:22
